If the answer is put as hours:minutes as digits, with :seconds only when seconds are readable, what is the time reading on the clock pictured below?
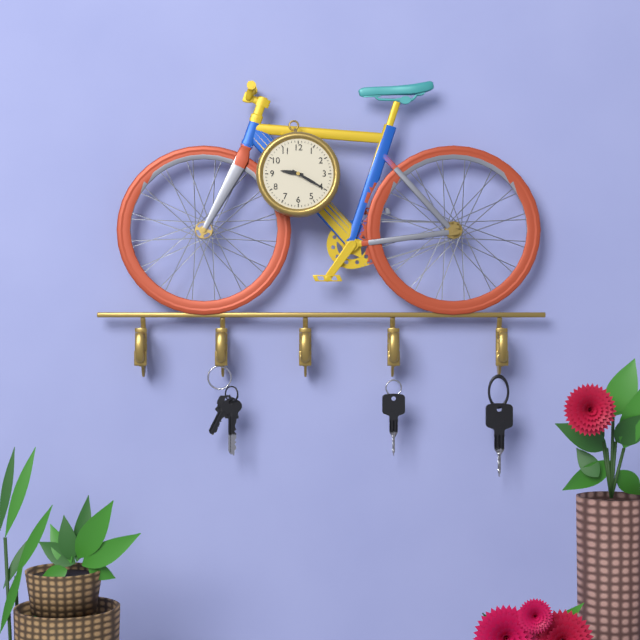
9:20
